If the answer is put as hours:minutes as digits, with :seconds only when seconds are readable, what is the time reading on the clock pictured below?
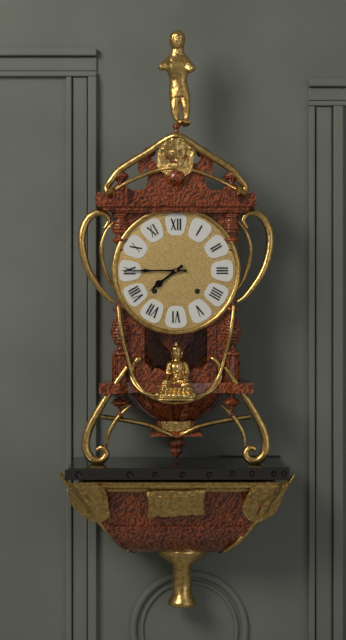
7:45
